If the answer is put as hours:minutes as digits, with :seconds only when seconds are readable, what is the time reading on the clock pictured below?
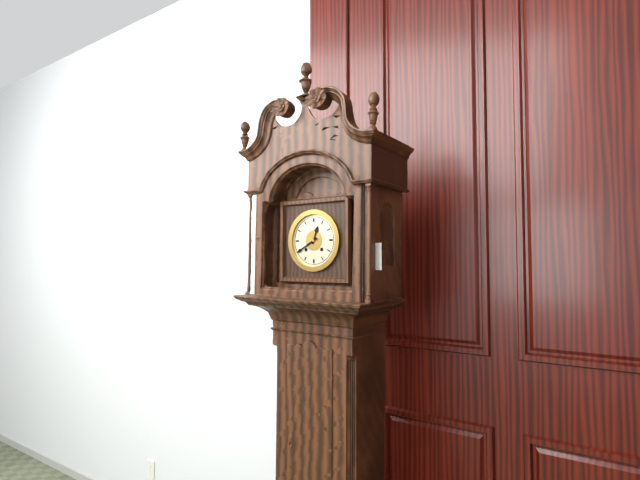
12:40
